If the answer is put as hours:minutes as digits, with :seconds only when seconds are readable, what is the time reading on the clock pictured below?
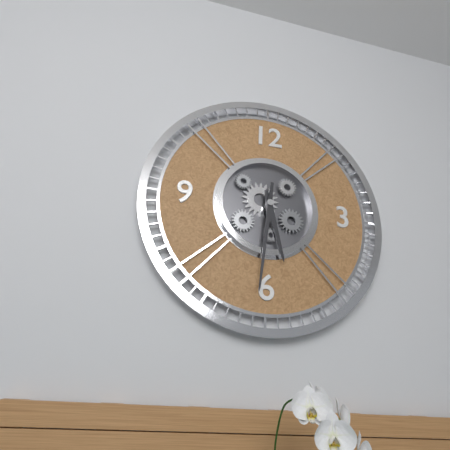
5:31
